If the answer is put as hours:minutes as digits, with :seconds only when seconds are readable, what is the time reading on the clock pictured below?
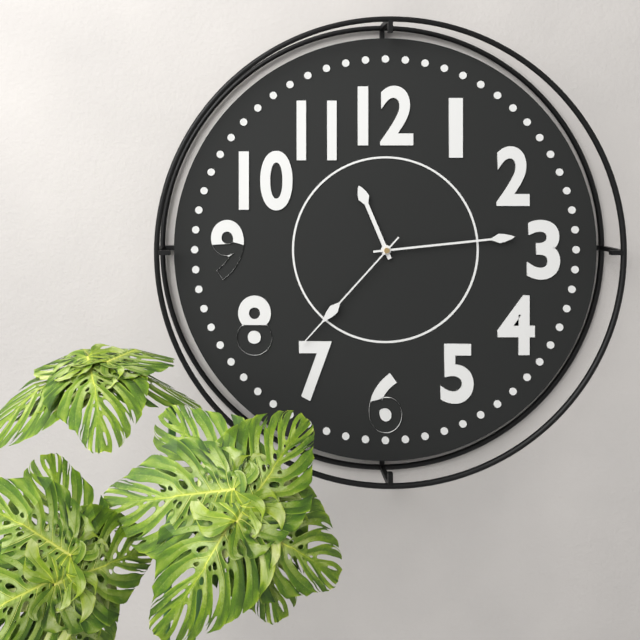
11:14:37
